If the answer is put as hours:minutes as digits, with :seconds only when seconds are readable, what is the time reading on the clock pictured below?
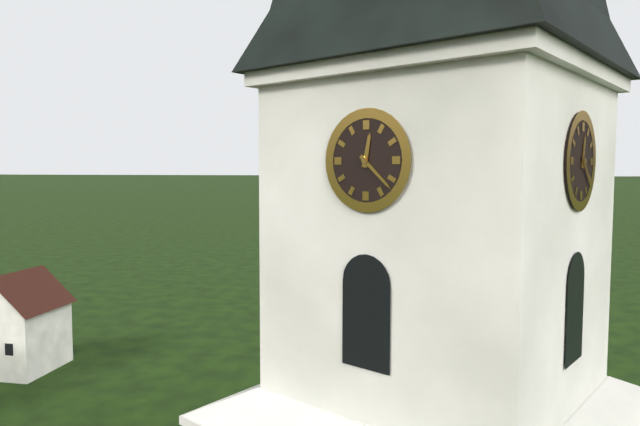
12:22
